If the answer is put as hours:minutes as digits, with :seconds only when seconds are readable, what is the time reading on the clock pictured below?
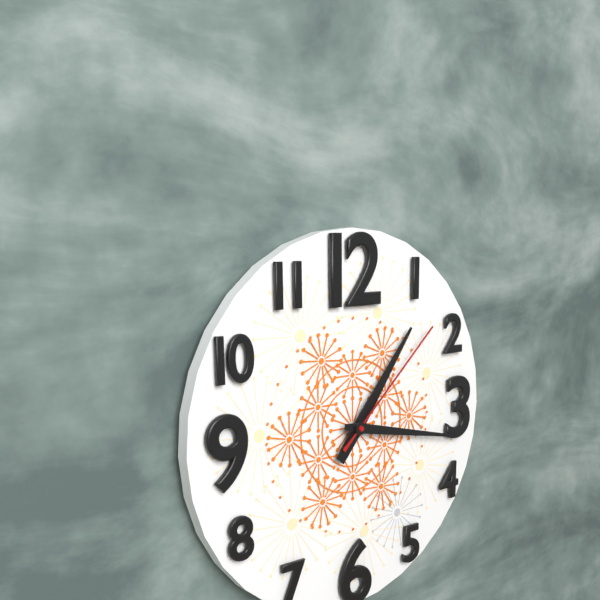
1:17:08
